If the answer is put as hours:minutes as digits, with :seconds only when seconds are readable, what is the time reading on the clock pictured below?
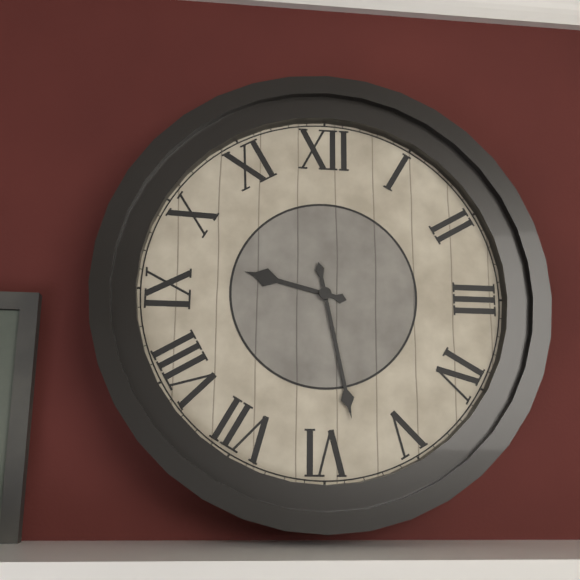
9:28
